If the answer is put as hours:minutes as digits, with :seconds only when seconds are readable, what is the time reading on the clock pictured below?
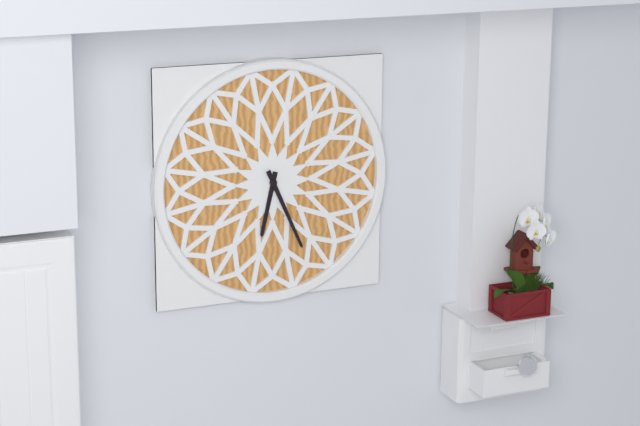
6:26
